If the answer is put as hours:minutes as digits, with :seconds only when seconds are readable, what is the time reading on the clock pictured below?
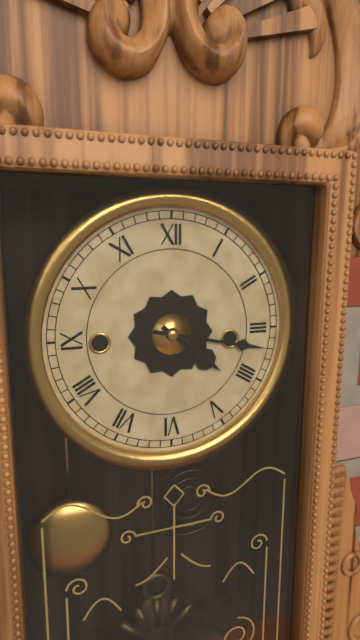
4:17
